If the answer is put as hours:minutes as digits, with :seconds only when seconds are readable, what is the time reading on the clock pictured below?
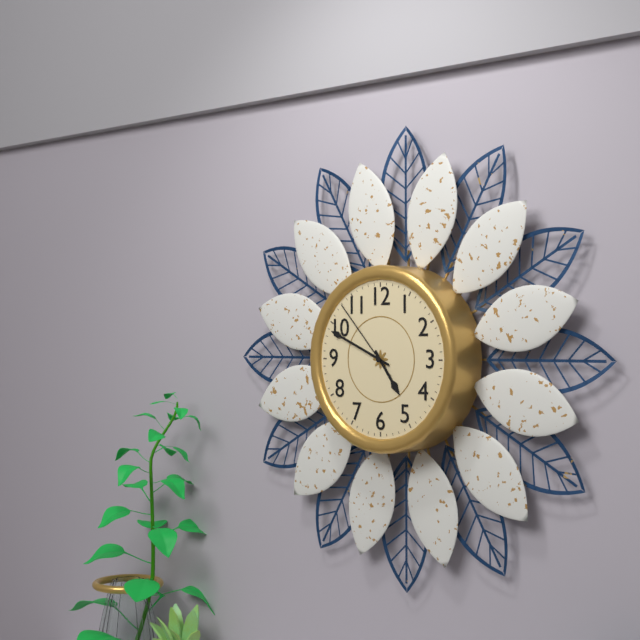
4:49:53
